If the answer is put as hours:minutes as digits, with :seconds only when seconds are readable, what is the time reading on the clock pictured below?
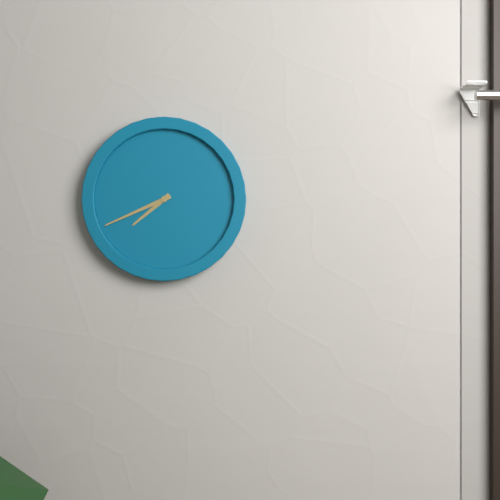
7:41
